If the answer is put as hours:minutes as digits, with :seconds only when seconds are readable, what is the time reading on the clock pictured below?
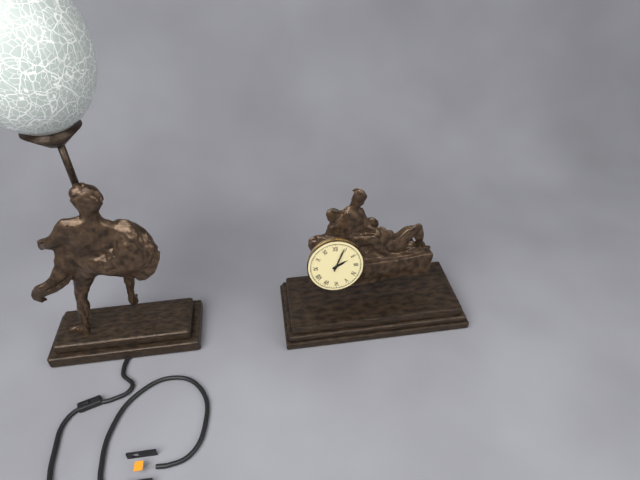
2:04
